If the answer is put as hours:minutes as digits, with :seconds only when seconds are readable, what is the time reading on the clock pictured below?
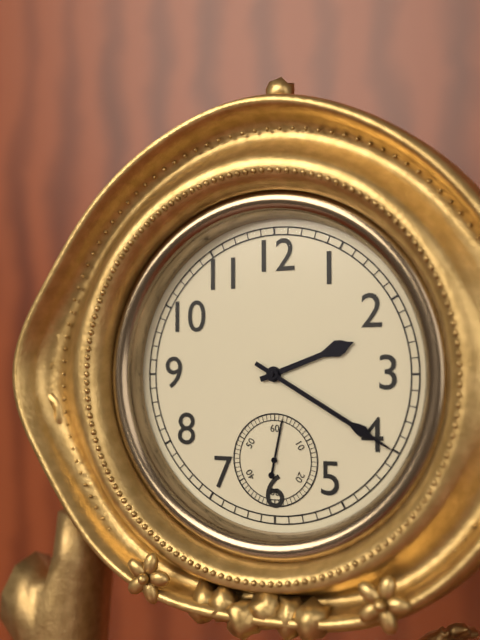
2:20:02
